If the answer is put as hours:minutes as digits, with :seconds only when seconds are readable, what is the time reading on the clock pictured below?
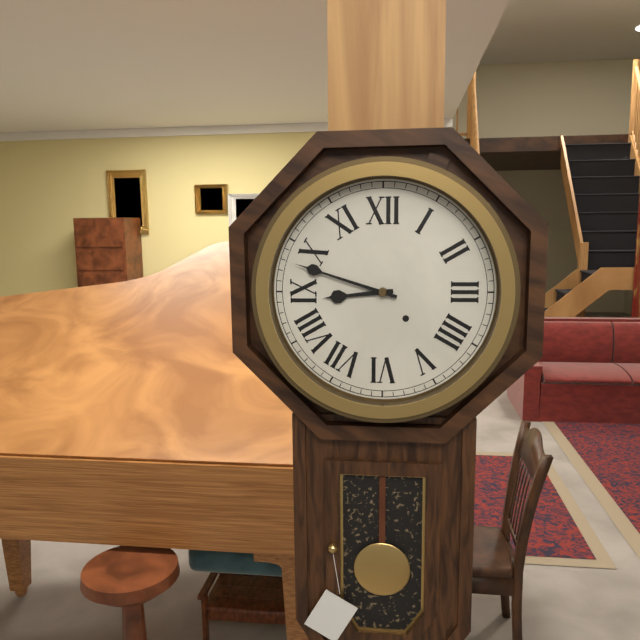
8:48
